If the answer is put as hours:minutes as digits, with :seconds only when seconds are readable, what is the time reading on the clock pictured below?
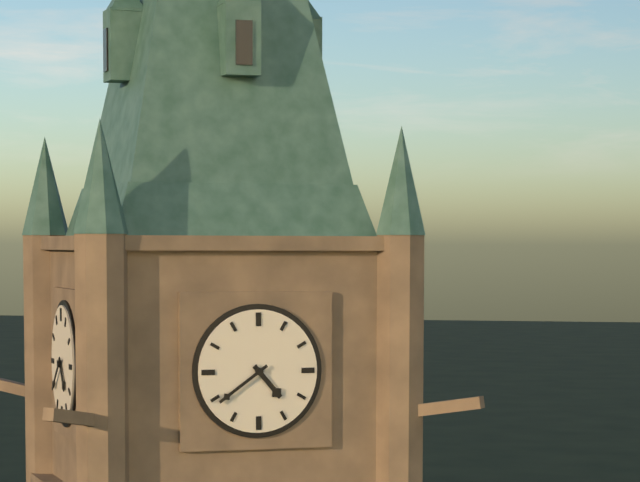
4:39
